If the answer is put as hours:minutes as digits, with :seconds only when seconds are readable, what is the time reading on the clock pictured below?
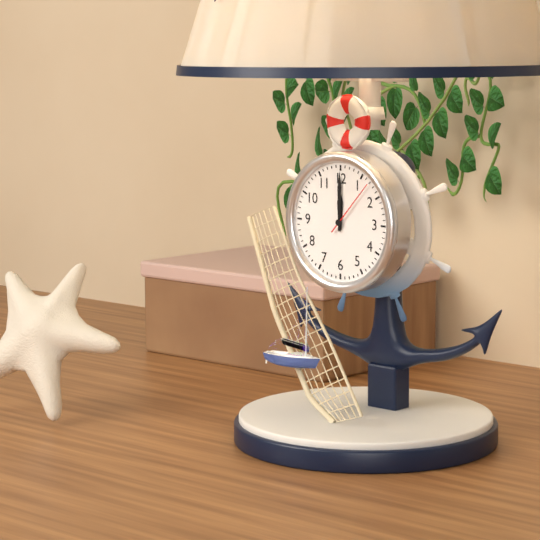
12:00:07
